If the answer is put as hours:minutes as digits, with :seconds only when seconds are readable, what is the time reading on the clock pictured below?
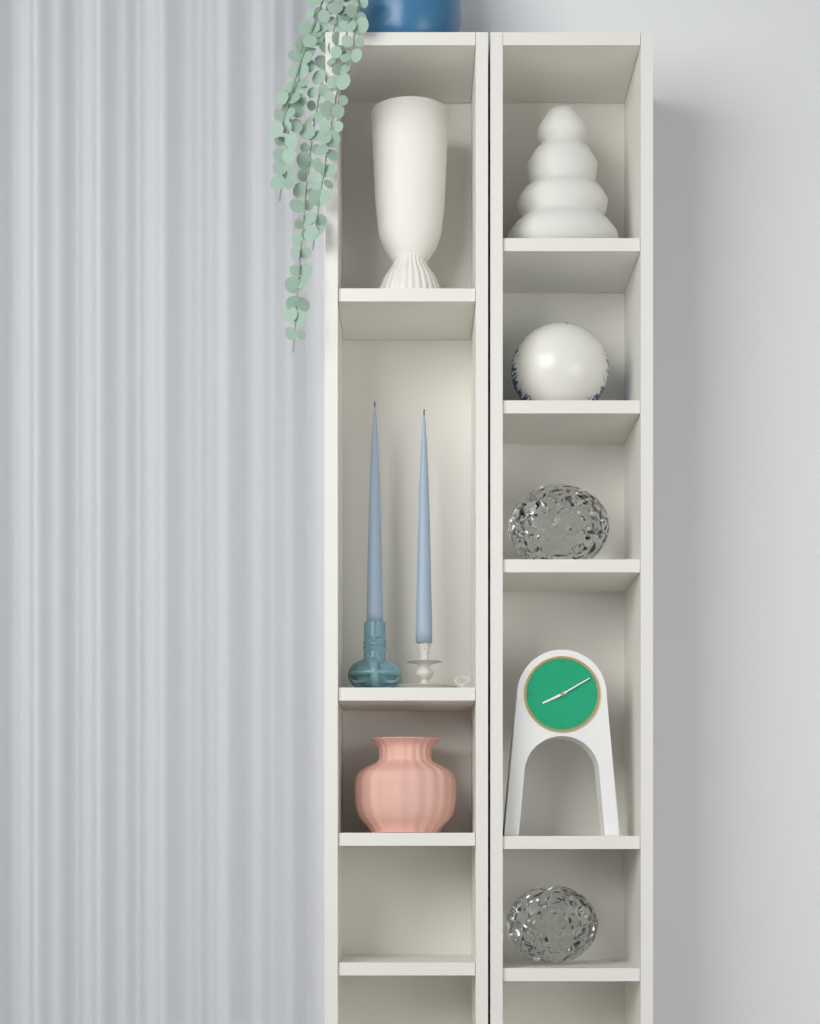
8:10
